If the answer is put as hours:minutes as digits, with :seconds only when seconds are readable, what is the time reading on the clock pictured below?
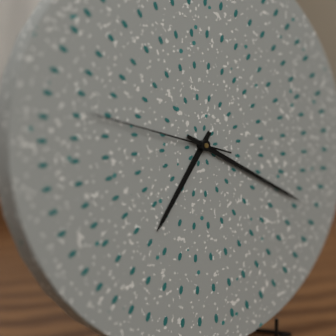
7:20:48
